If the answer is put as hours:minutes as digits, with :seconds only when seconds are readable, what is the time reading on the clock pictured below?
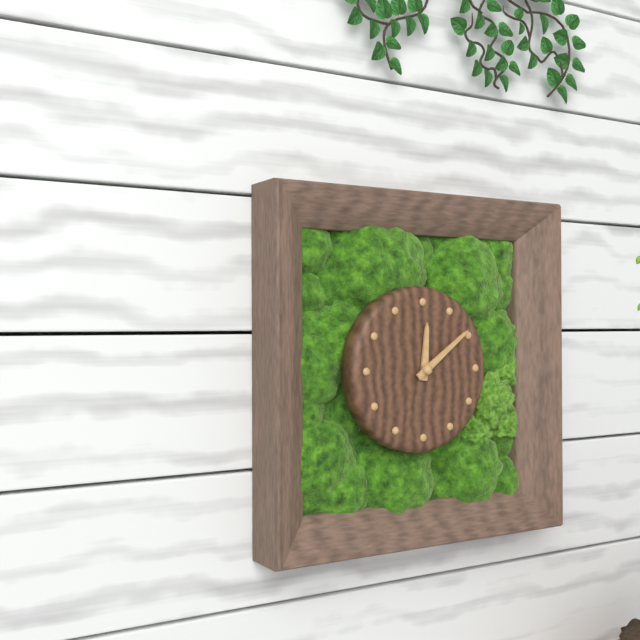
12:09
